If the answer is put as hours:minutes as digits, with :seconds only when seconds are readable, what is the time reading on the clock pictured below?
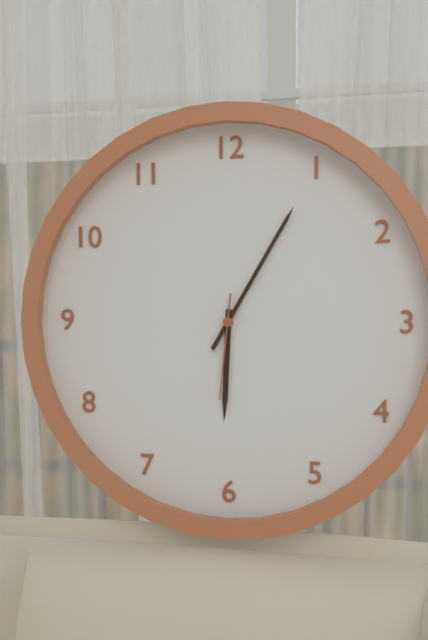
6:05:31
